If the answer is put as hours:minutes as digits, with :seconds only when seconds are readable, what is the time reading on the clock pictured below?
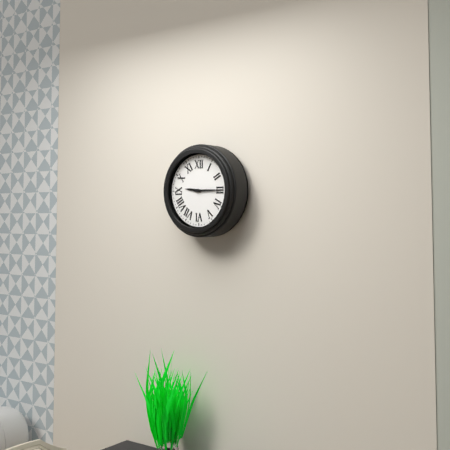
9:15
